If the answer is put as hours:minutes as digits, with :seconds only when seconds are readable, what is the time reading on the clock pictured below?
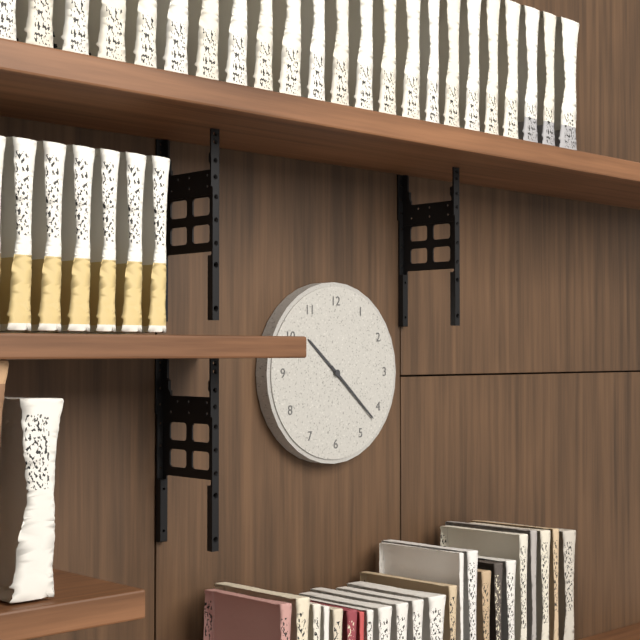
10:22
